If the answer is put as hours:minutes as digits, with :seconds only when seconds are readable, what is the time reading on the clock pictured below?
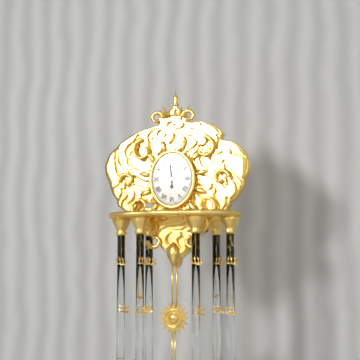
5:59
